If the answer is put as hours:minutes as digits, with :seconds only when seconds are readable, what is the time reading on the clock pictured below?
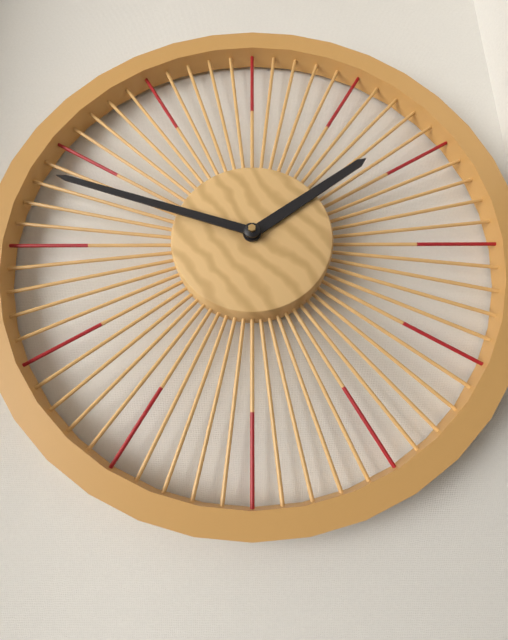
1:48
